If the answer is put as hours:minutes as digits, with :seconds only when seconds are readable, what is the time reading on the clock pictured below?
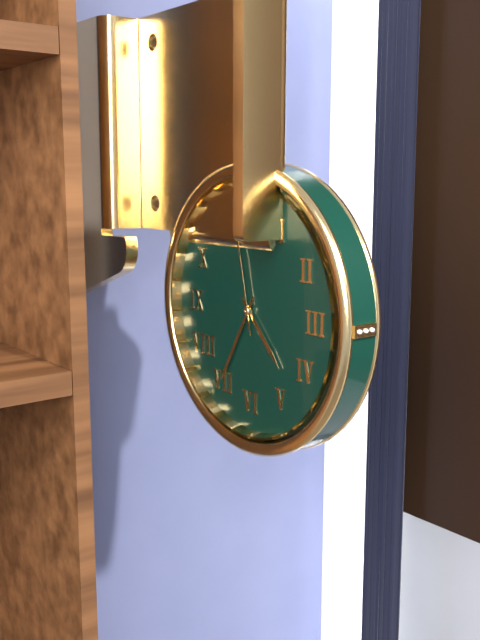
4:35:58
